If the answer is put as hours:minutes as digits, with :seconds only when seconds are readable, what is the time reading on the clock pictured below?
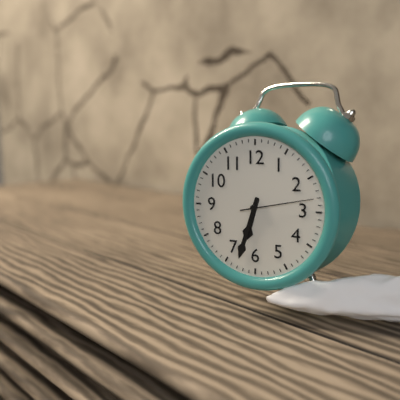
6:33:13
